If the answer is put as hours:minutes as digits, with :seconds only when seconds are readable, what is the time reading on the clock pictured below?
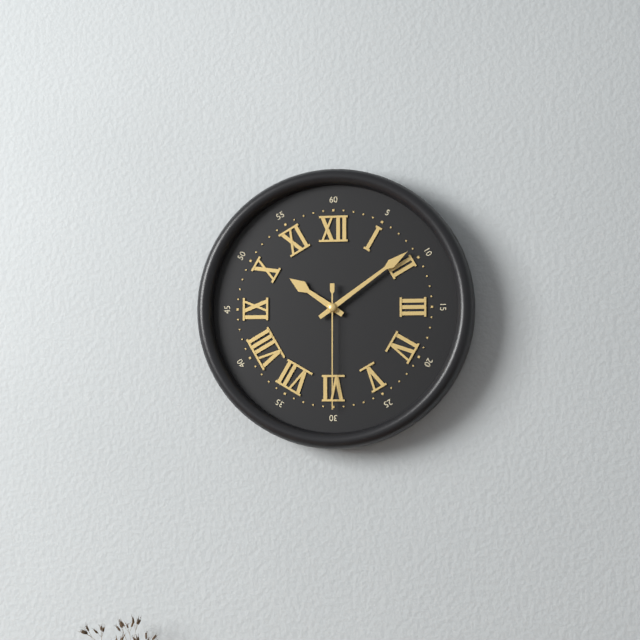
10:09:30
